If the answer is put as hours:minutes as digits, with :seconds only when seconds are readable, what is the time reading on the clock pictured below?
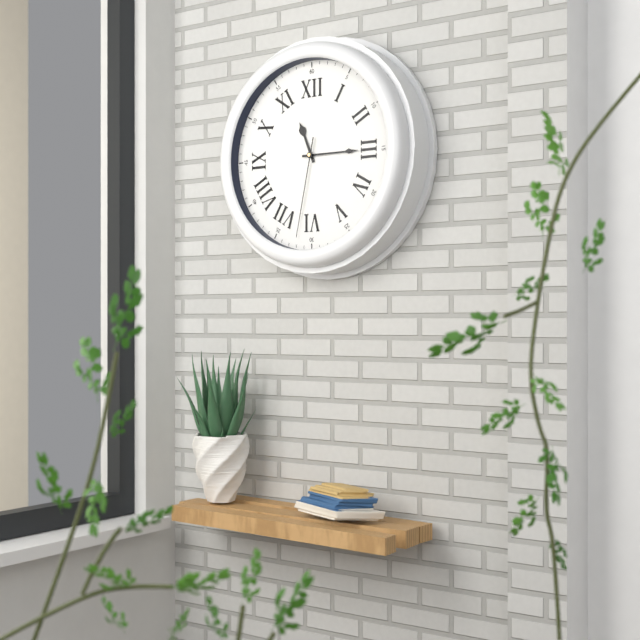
11:15:32
